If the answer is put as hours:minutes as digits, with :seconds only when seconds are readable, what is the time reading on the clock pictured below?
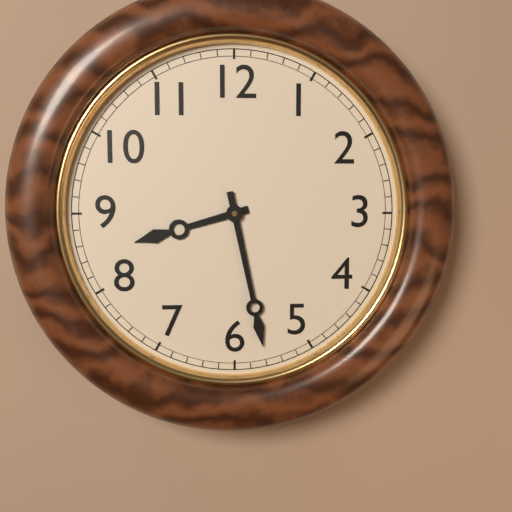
8:28
